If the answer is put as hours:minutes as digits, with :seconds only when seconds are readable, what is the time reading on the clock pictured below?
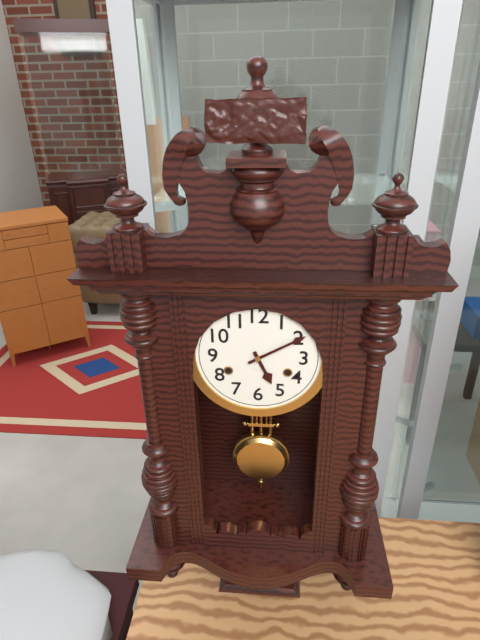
5:10
